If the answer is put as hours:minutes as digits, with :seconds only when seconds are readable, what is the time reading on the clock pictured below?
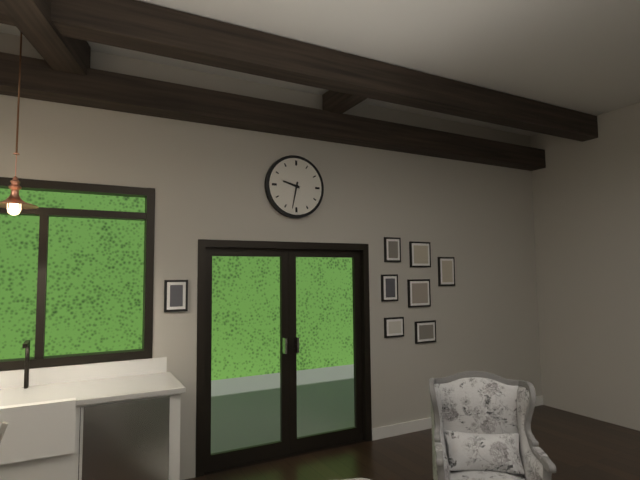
9:32
